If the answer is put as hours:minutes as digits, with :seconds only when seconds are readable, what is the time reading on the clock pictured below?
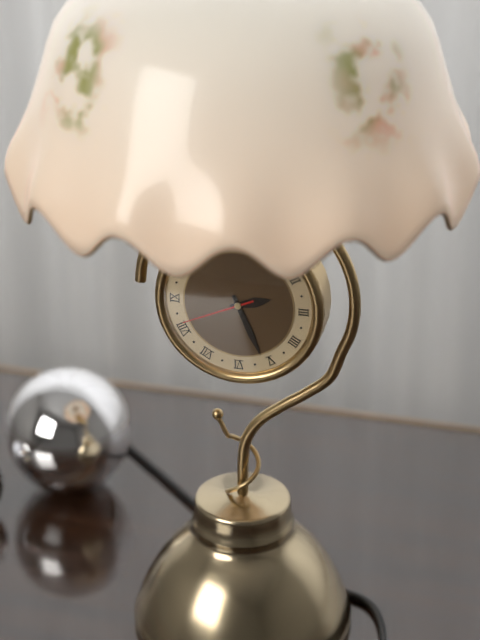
2:26:41
